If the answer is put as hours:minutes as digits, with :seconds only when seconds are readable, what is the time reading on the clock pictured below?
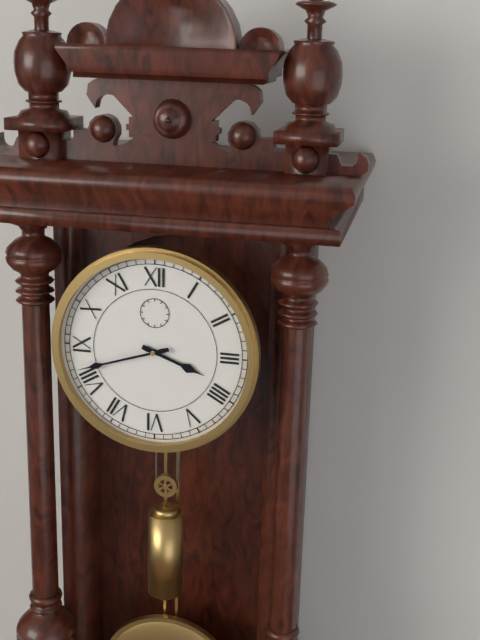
3:42
